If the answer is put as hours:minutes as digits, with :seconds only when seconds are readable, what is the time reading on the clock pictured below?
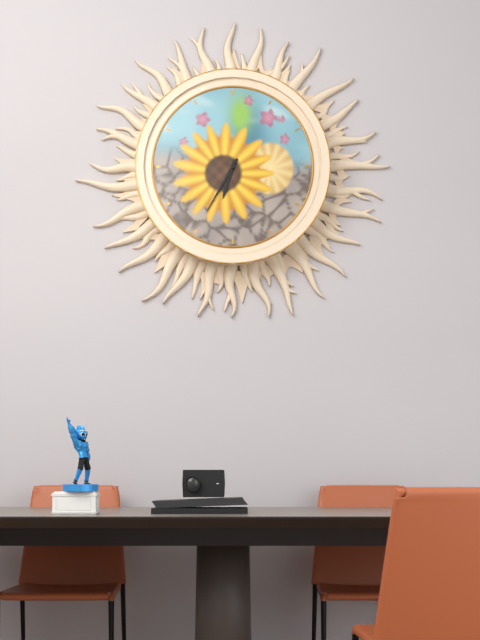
6:35
